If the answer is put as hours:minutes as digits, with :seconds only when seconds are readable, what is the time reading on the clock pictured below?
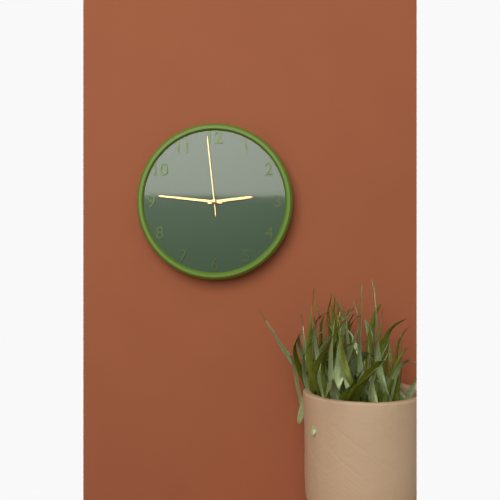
2:46:59
